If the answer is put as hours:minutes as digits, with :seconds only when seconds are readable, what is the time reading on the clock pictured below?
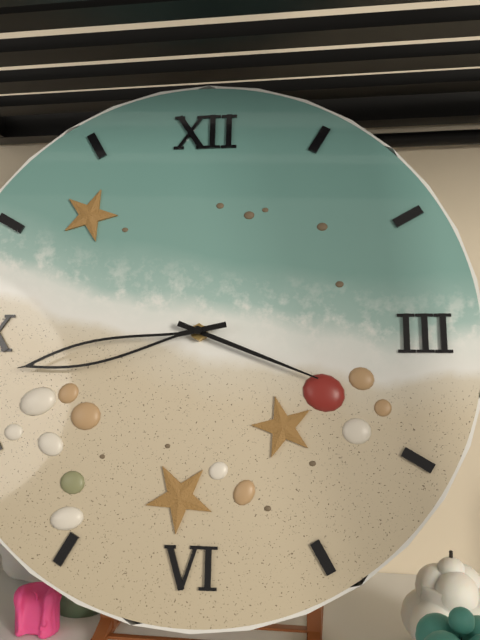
3:43
